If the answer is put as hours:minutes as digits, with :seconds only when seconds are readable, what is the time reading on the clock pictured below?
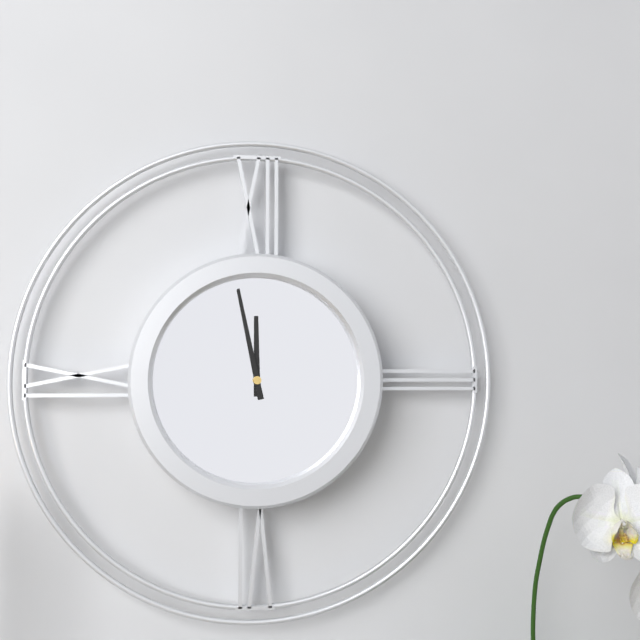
11:58
